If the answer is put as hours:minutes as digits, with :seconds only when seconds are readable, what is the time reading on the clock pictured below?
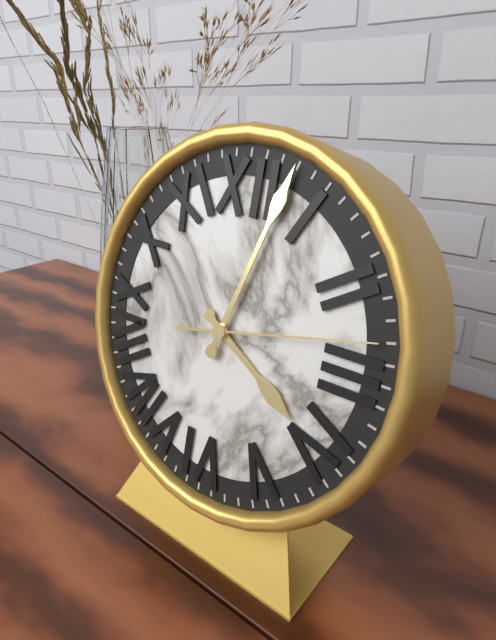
4:03:13
